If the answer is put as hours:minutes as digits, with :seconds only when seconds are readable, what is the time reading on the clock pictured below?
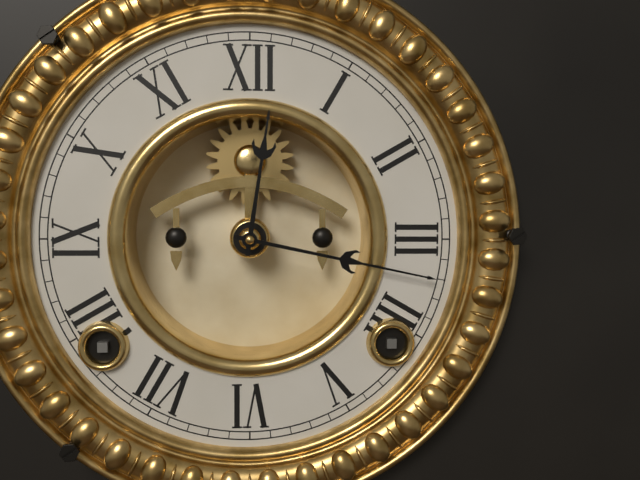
12:17
